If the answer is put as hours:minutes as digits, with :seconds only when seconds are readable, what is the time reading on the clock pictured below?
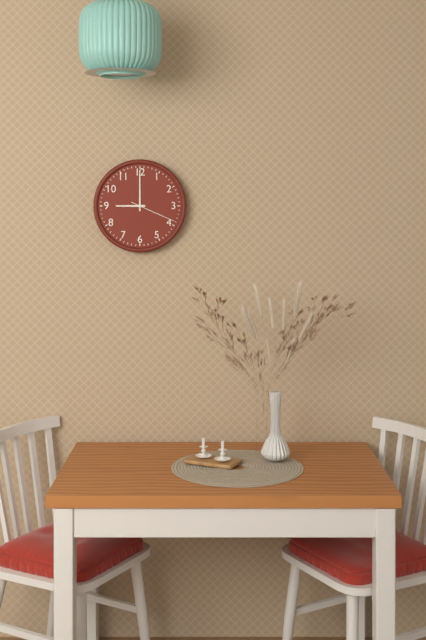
9:00
